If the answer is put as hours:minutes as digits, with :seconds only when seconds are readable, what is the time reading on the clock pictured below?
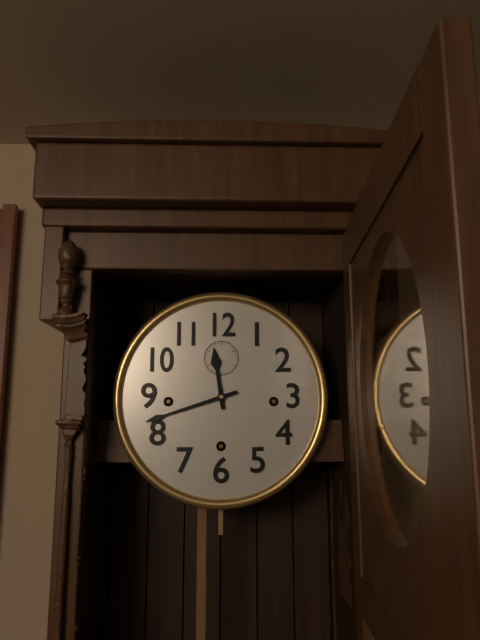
11:42
